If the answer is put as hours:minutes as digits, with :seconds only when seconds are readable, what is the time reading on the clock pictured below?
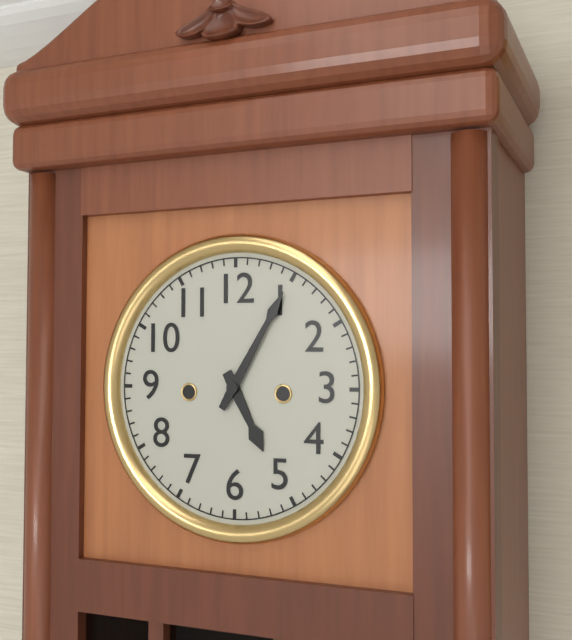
5:05
